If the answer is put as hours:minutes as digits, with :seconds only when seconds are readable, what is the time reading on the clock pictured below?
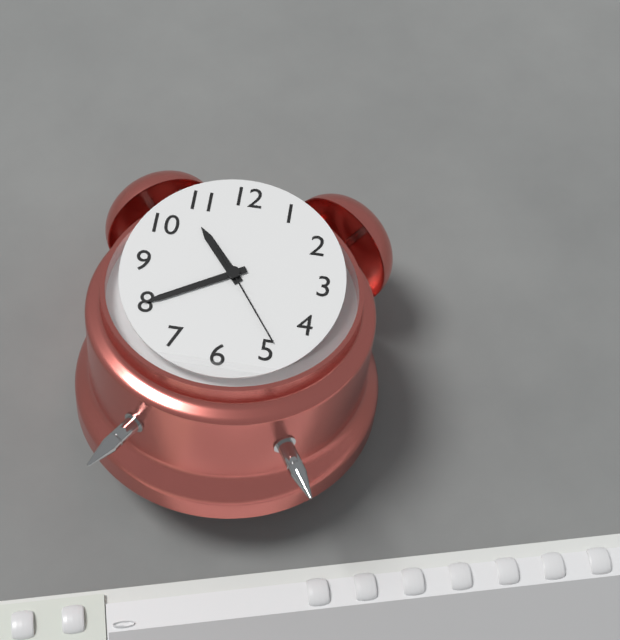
10:40:24
